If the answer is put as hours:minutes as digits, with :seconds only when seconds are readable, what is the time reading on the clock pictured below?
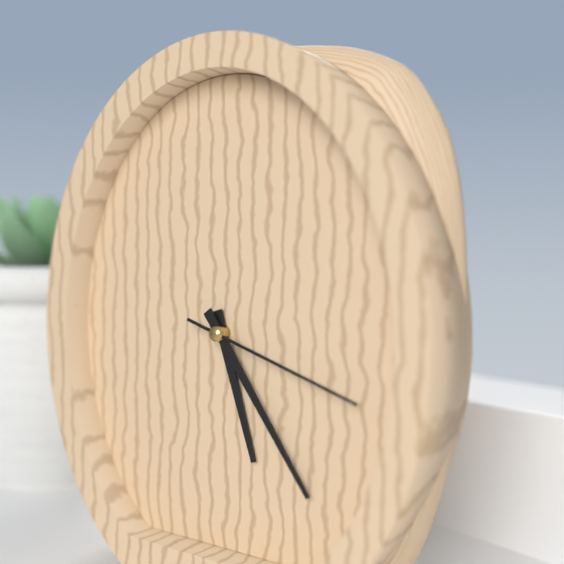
5:24:18
